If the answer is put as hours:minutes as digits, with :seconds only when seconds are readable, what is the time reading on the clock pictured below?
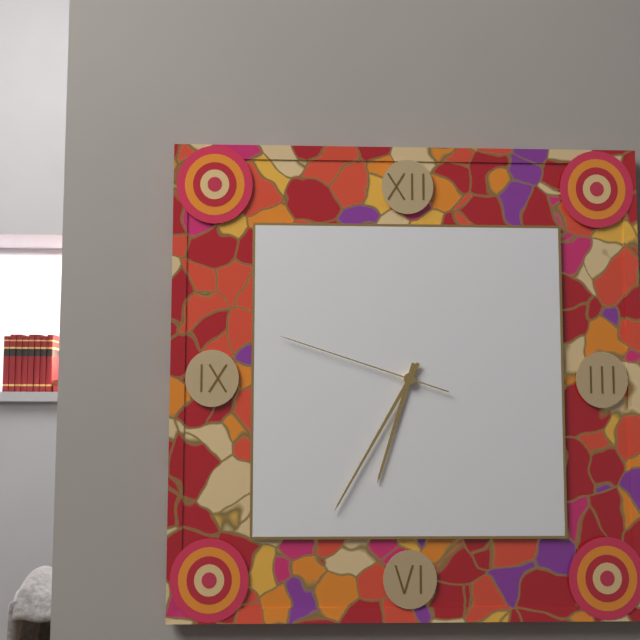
6:35:48
